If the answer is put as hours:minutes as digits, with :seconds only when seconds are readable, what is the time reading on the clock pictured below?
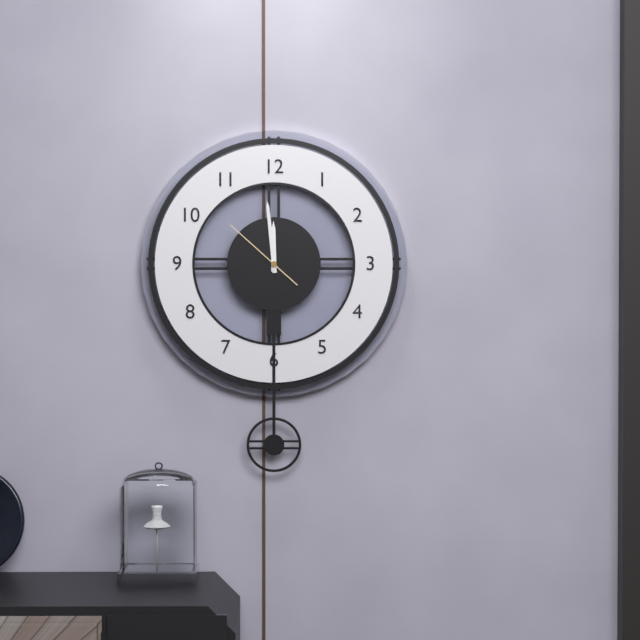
11:59:52
